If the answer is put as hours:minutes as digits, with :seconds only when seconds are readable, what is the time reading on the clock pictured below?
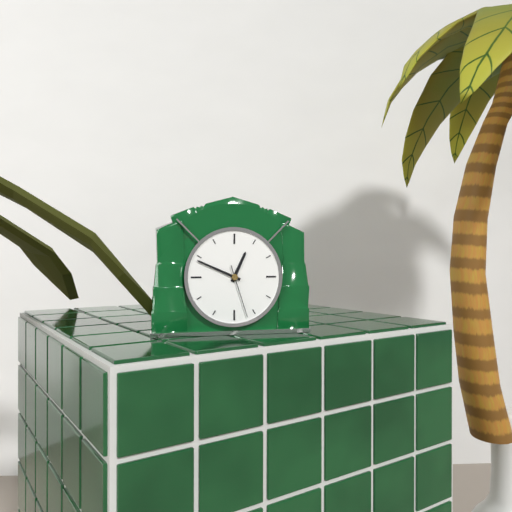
12:49:27
